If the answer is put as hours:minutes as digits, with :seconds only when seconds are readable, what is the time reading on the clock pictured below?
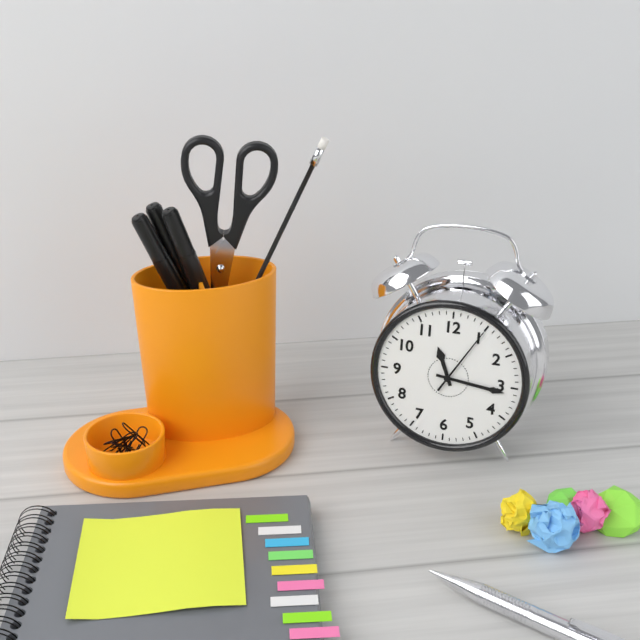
11:16:05
